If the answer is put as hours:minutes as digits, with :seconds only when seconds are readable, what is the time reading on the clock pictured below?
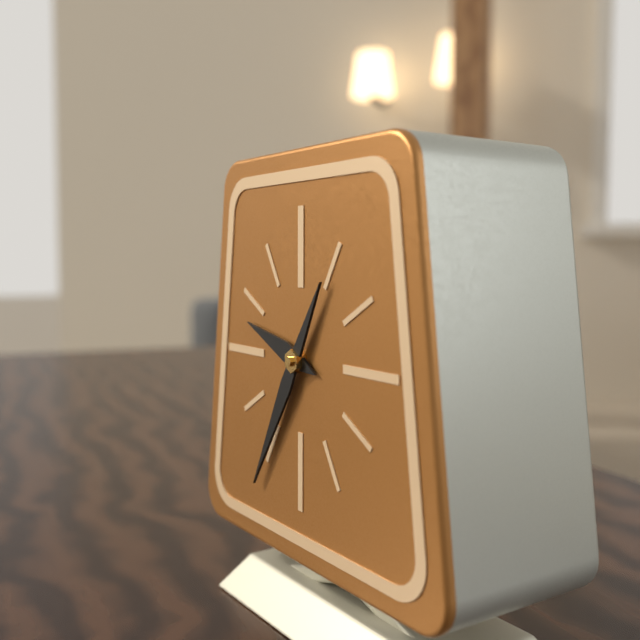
9:35
